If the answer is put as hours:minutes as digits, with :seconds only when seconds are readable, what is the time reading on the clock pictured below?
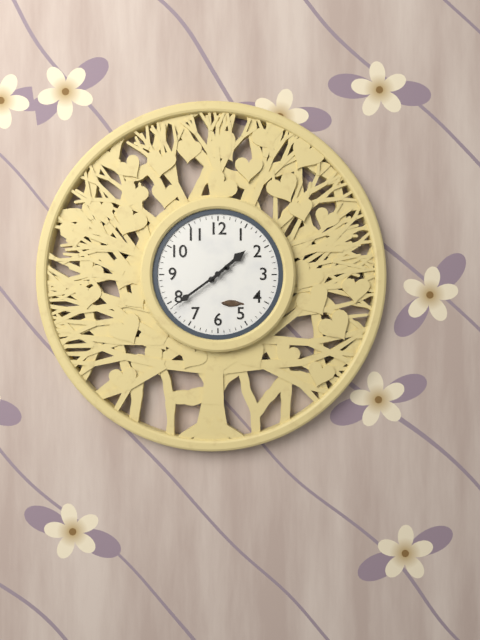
1:39
